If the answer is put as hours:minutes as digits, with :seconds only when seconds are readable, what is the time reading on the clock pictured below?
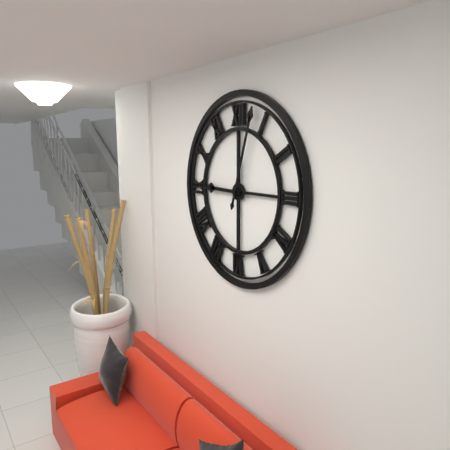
9:03
